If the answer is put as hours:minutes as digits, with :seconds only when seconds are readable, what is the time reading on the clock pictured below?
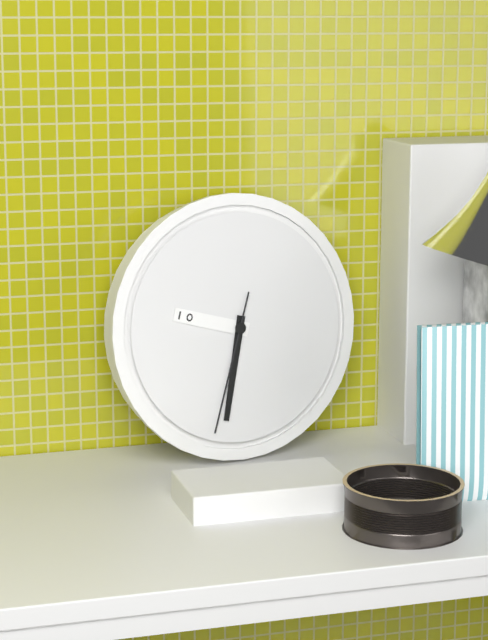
9:32:33
